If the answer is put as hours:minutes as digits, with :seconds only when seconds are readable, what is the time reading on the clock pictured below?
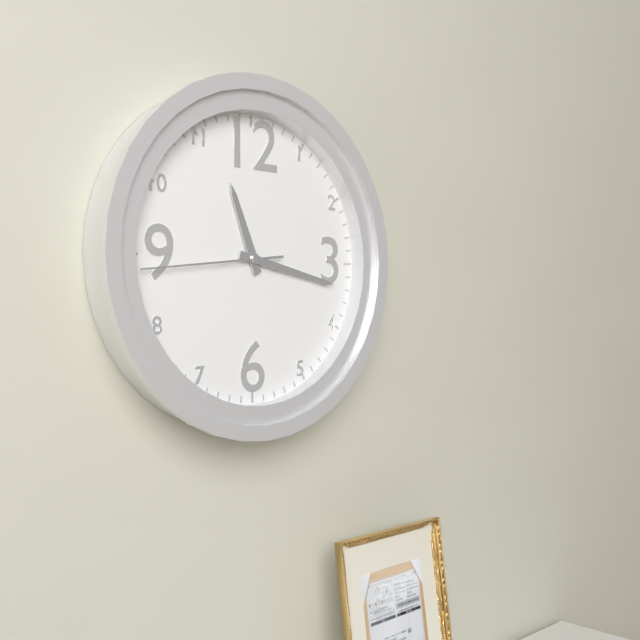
11:17:44
